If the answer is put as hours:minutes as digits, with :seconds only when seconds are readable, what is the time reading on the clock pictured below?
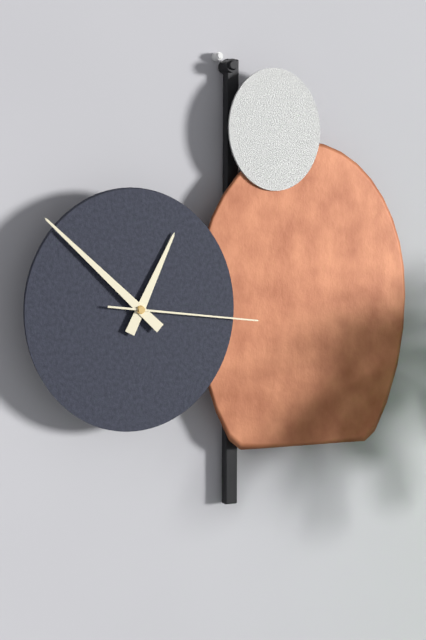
12:52:16
